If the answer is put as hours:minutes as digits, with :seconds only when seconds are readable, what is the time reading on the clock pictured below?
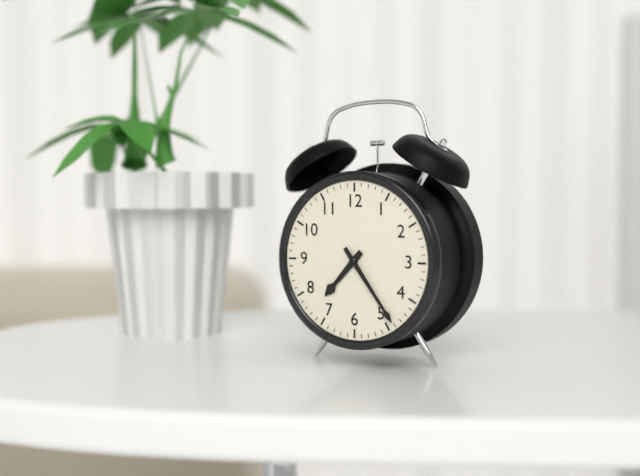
7:24
